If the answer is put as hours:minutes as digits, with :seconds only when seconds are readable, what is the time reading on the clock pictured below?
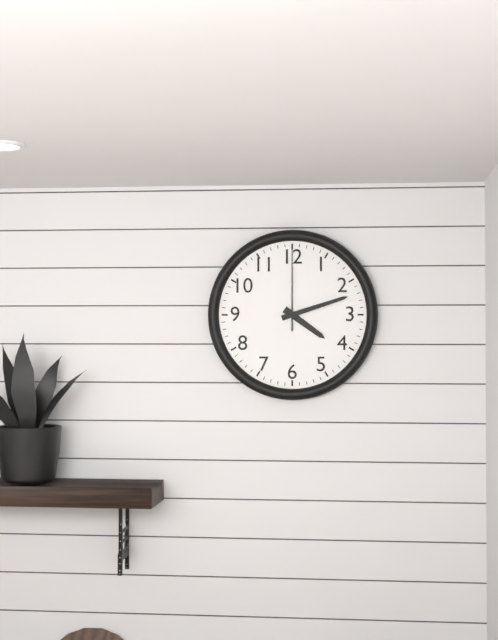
4:12:00
